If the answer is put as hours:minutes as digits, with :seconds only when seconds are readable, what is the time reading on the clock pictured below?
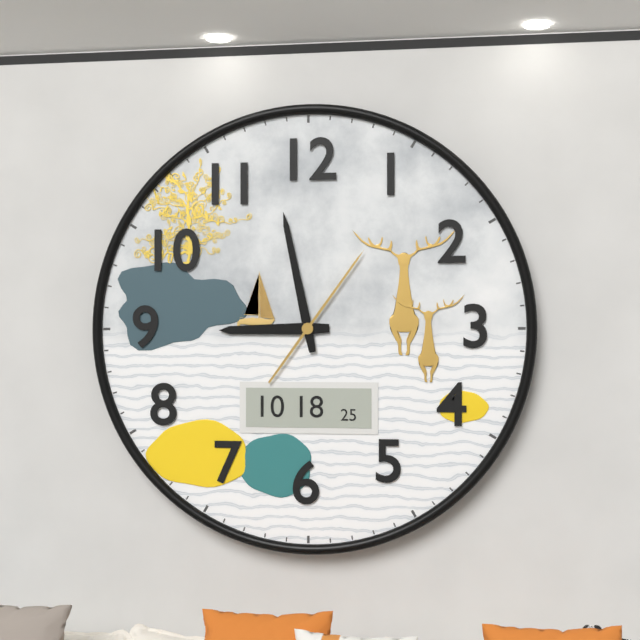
8:58:06
